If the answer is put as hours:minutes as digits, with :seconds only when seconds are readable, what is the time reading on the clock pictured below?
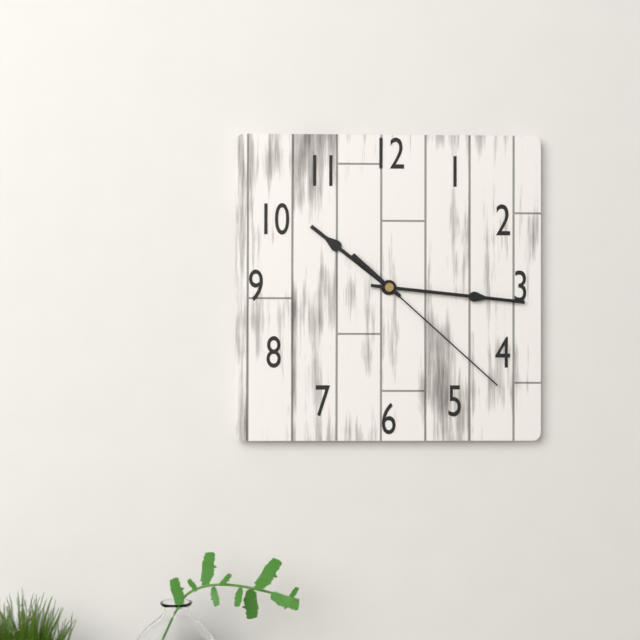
10:16:22
